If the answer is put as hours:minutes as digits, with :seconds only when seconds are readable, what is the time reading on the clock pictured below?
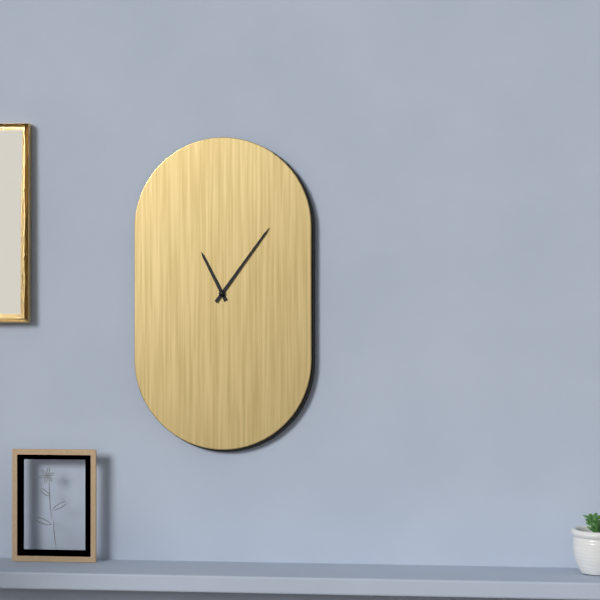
11:06
